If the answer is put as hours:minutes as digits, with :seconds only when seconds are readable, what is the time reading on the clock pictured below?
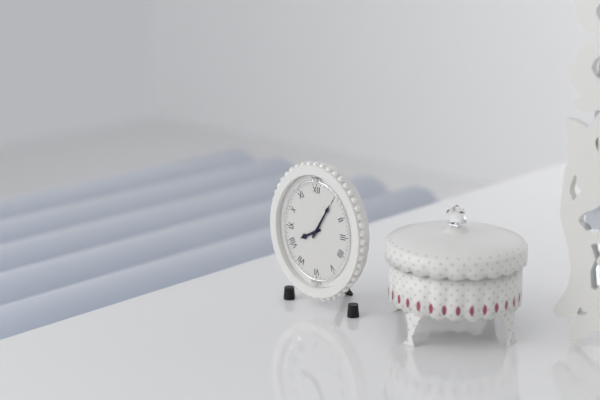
8:05
